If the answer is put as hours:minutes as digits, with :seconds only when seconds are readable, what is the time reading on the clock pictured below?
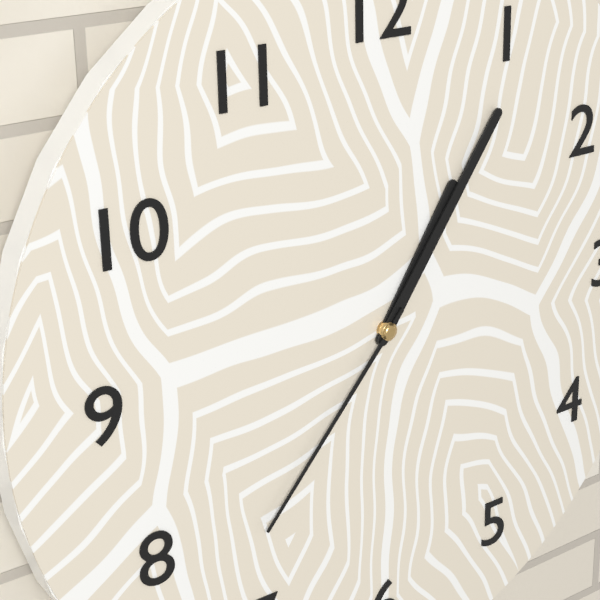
1:06:37
